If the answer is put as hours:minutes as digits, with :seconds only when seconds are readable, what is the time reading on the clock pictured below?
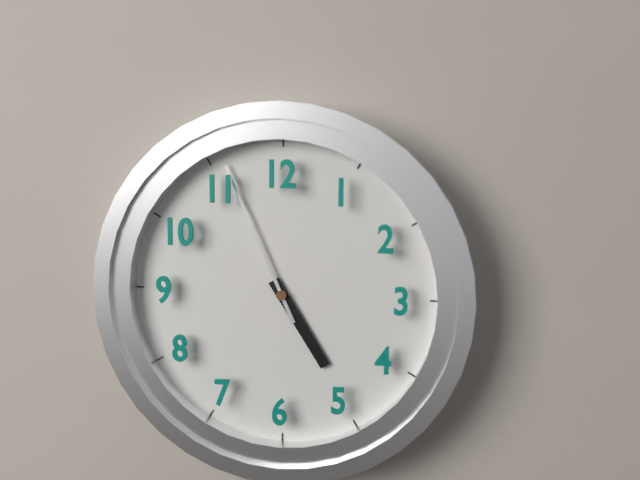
4:56
